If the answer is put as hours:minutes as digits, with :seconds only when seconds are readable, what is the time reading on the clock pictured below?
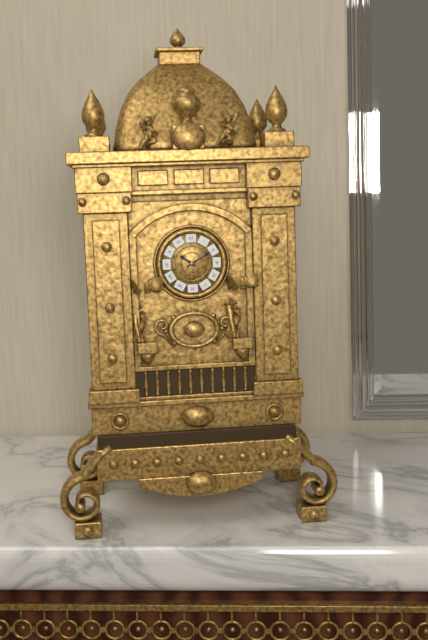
10:10
